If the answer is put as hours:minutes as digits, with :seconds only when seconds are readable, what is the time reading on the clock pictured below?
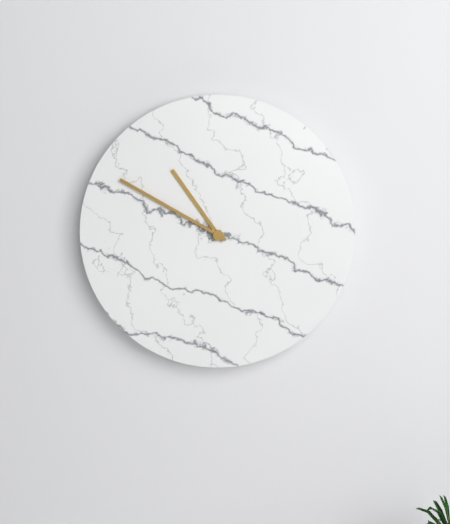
10:50
